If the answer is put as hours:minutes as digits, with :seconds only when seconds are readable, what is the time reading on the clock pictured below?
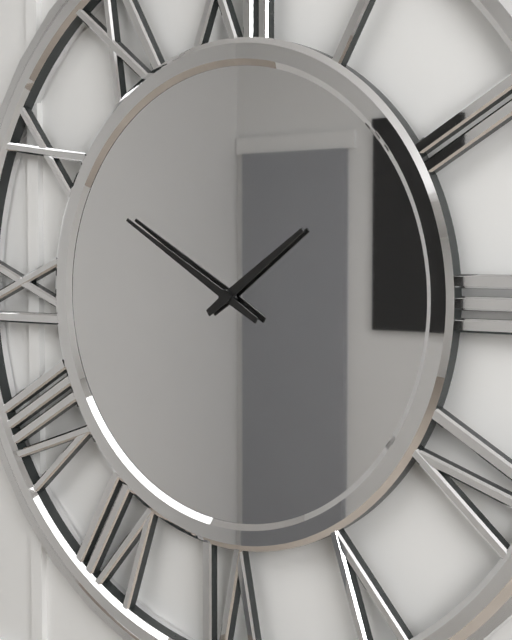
1:50
